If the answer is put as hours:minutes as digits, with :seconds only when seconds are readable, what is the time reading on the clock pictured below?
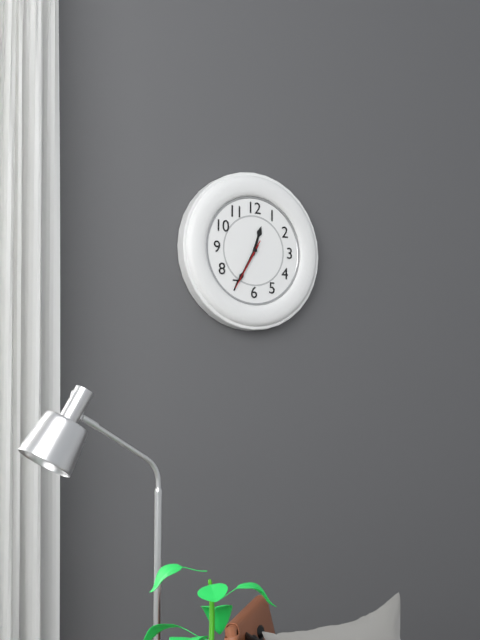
12:35:35
